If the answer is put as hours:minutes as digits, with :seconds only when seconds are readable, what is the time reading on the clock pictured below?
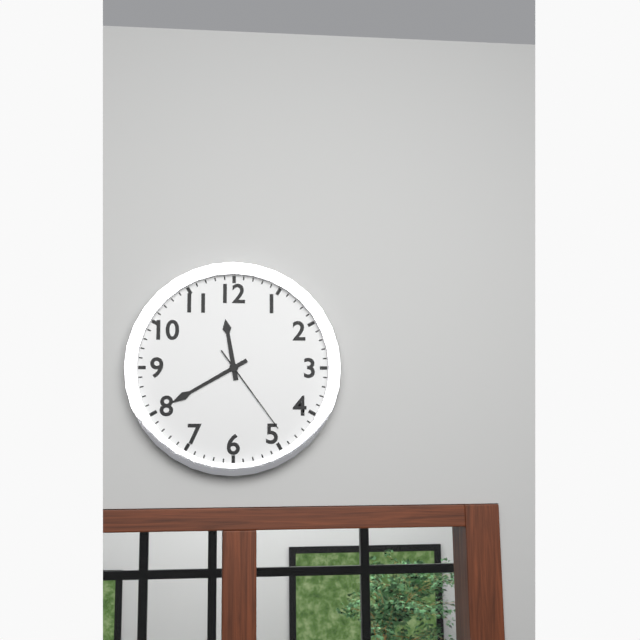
11:40:24
